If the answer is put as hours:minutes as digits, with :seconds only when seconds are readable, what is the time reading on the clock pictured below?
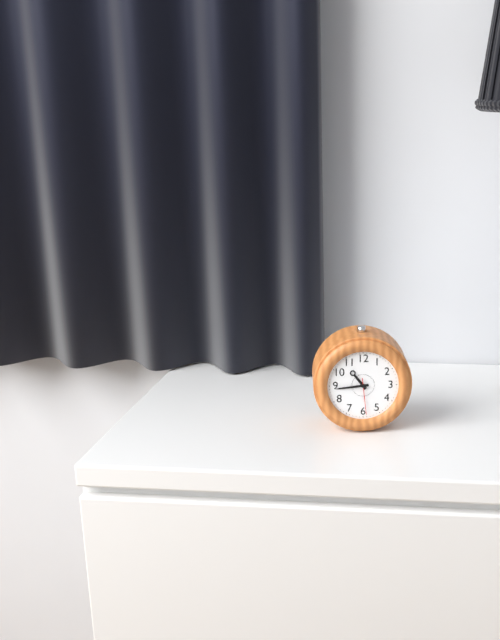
10:44
